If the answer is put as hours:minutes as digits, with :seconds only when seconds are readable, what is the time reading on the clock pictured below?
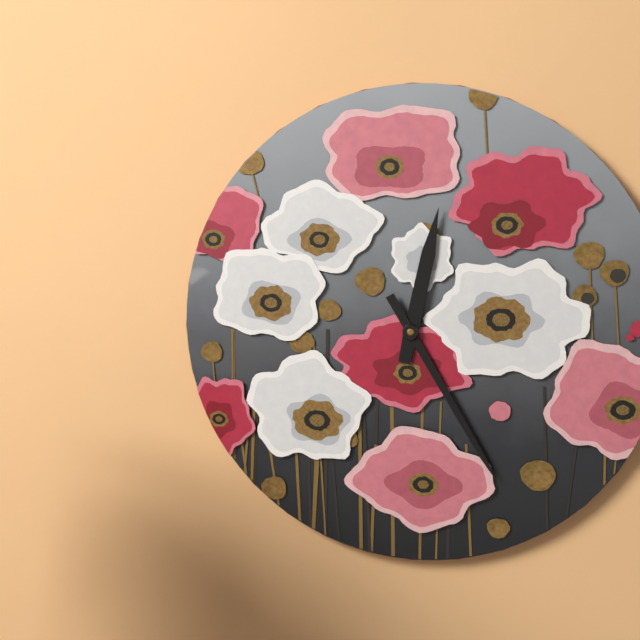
12:25
